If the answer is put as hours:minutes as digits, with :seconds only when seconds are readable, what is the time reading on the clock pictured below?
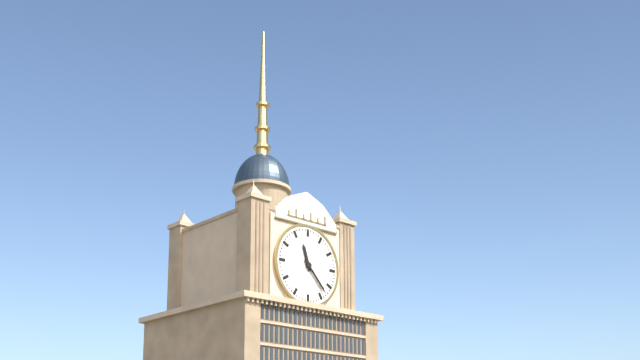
11:23
